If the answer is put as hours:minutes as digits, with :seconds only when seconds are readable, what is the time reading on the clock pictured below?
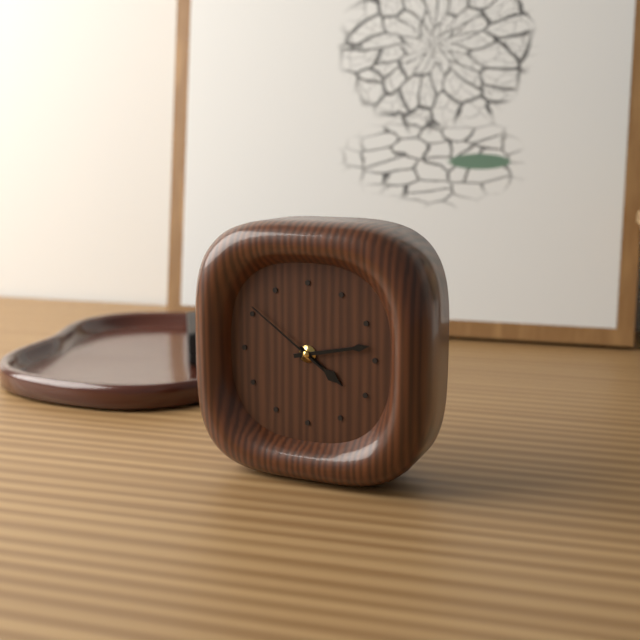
4:13:51
